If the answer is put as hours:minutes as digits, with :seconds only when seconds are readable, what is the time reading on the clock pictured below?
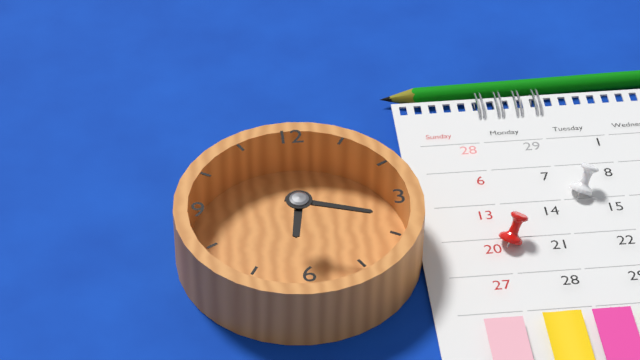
6:18
